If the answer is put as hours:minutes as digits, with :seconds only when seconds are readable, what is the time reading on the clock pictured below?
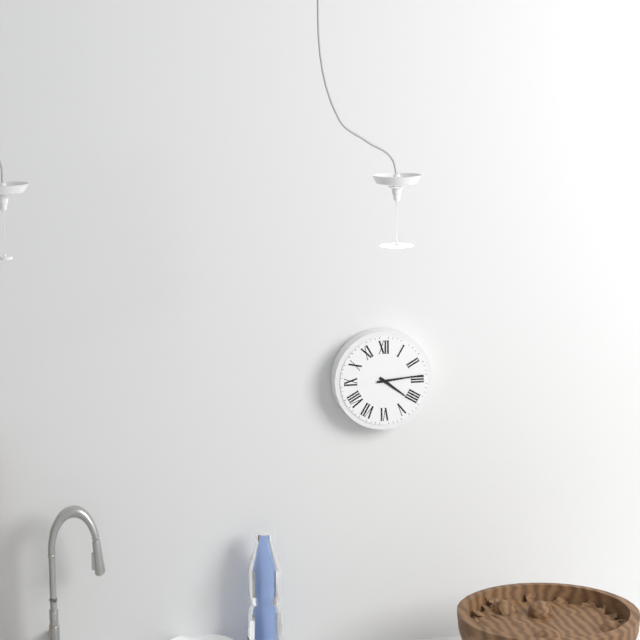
4:14
